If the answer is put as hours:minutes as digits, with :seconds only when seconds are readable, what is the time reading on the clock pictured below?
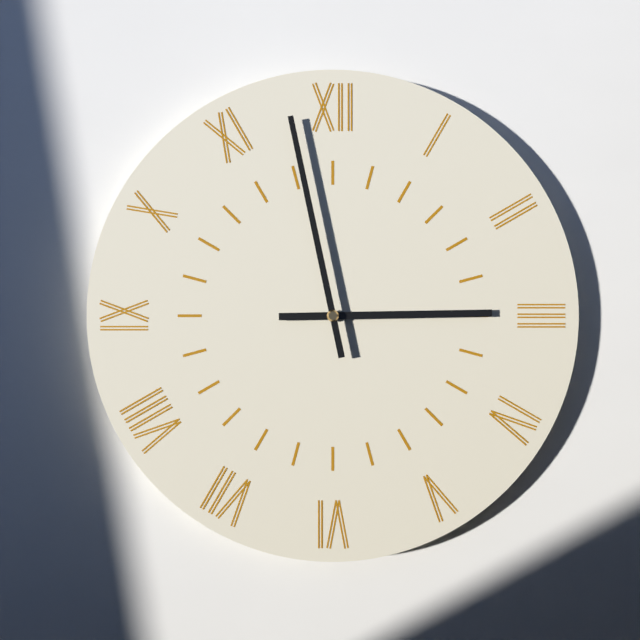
2:58
